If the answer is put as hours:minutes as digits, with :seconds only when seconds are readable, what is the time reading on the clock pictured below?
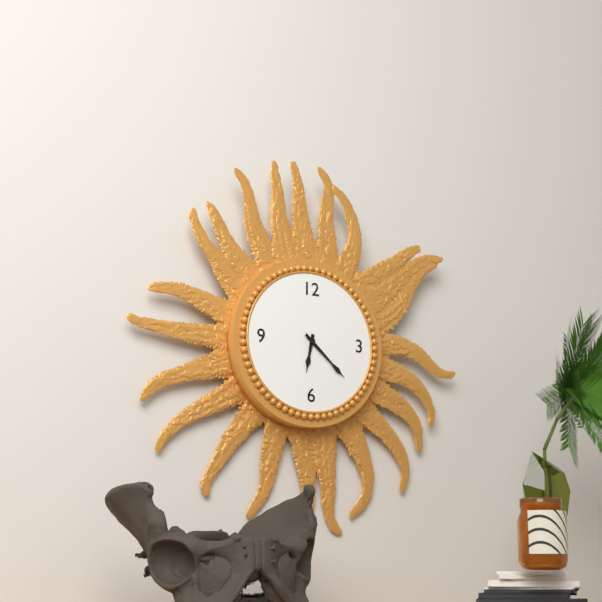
6:22
